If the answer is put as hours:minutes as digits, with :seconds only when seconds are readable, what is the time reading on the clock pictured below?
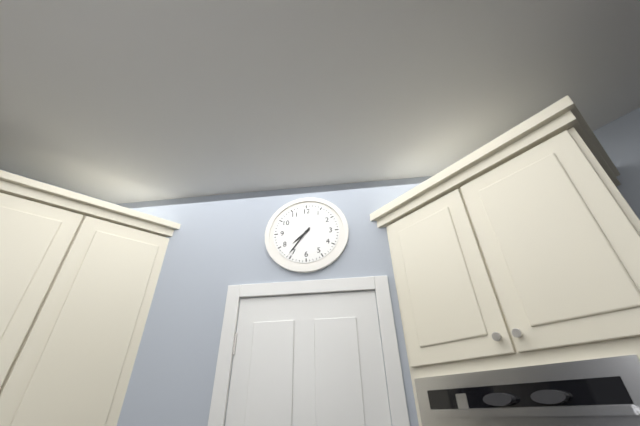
7:36
